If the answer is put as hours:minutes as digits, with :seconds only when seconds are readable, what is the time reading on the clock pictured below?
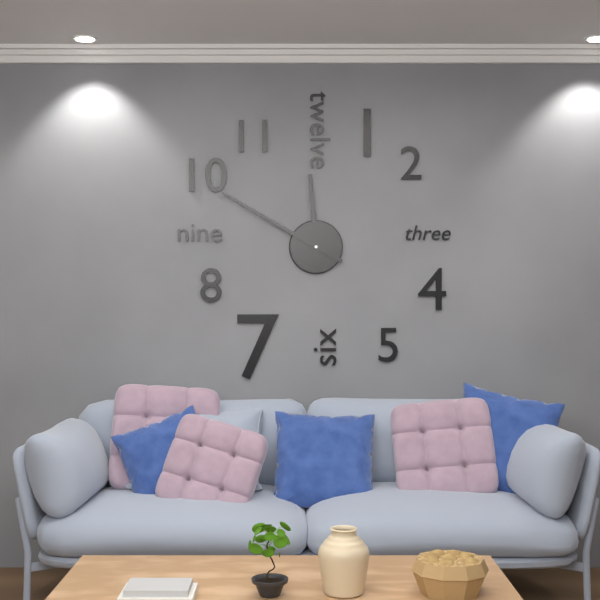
11:50
